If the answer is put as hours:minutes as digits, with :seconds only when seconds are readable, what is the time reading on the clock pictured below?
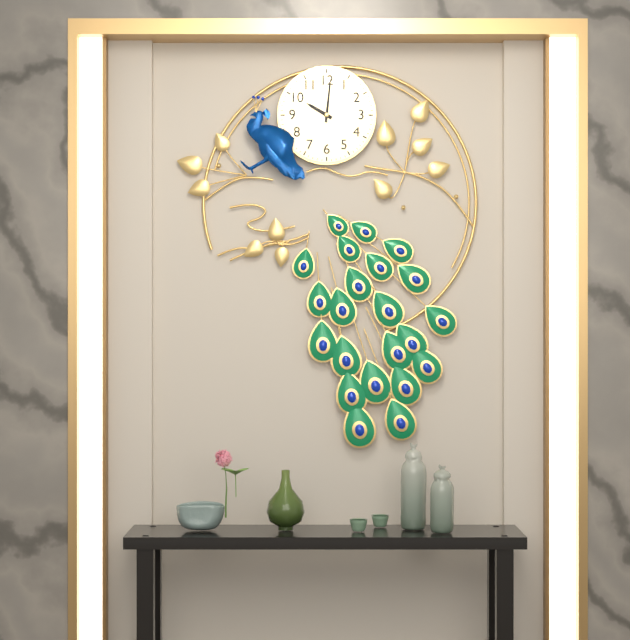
10:01
